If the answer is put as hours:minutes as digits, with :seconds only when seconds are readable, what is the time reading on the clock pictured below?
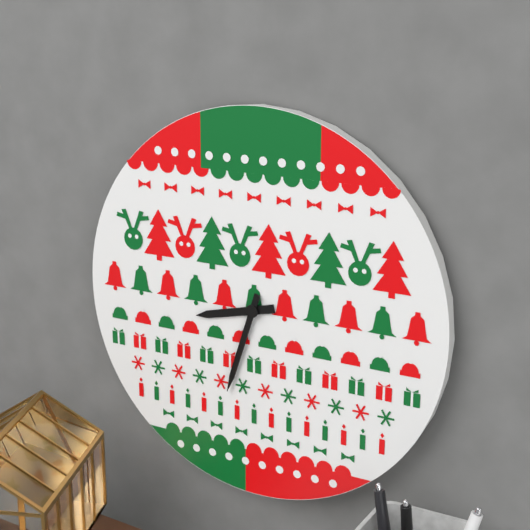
8:33
